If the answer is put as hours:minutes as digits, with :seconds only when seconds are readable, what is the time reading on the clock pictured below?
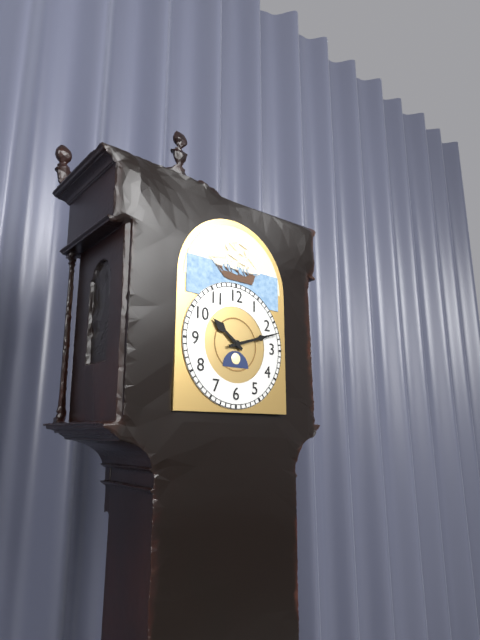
10:12
